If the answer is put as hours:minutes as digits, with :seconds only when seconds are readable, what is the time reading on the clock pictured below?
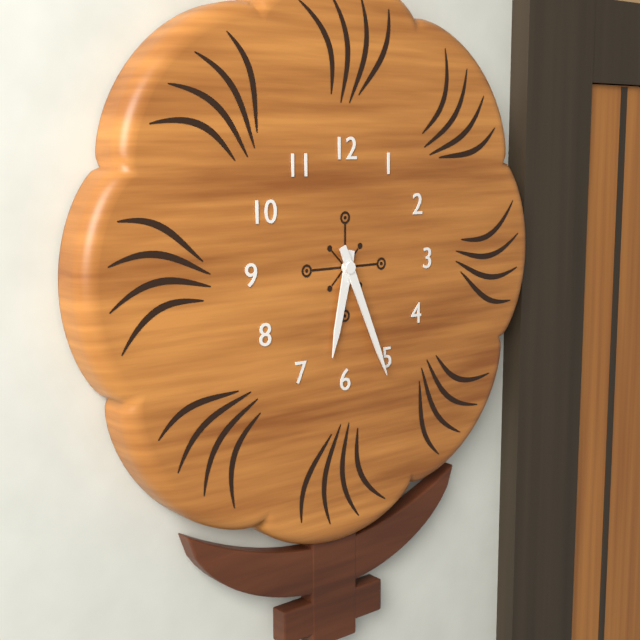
6:26
